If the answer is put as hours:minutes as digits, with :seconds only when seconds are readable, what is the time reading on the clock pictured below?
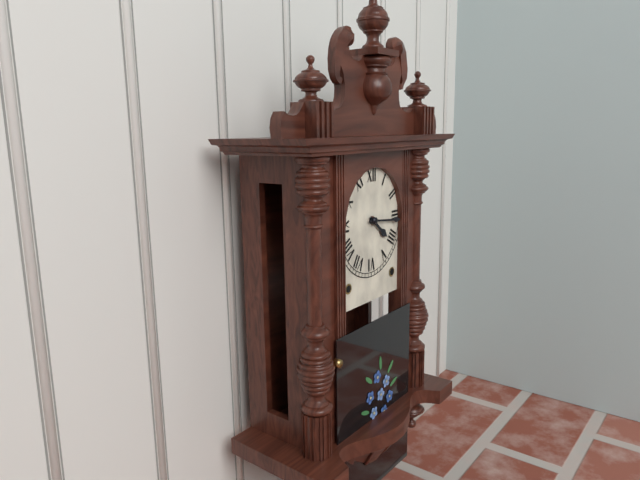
4:16
